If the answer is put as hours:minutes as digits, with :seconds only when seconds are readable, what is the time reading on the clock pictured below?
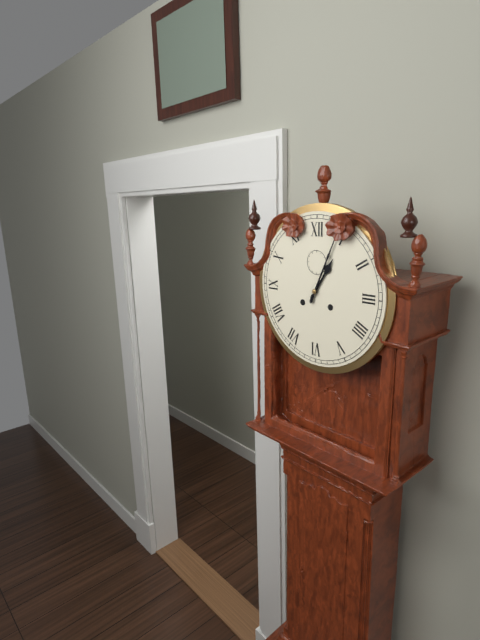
1:04
